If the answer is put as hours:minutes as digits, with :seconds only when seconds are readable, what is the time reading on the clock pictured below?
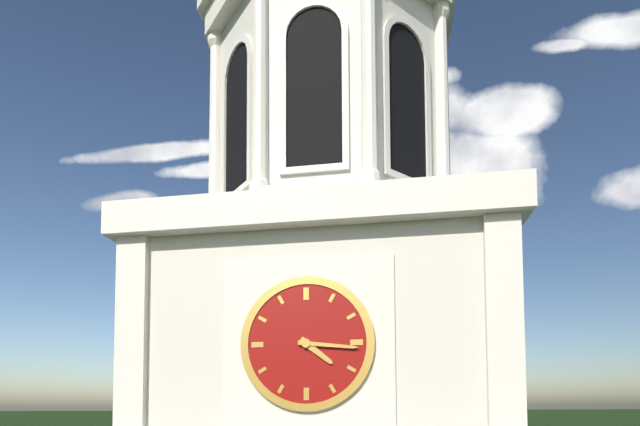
4:16
